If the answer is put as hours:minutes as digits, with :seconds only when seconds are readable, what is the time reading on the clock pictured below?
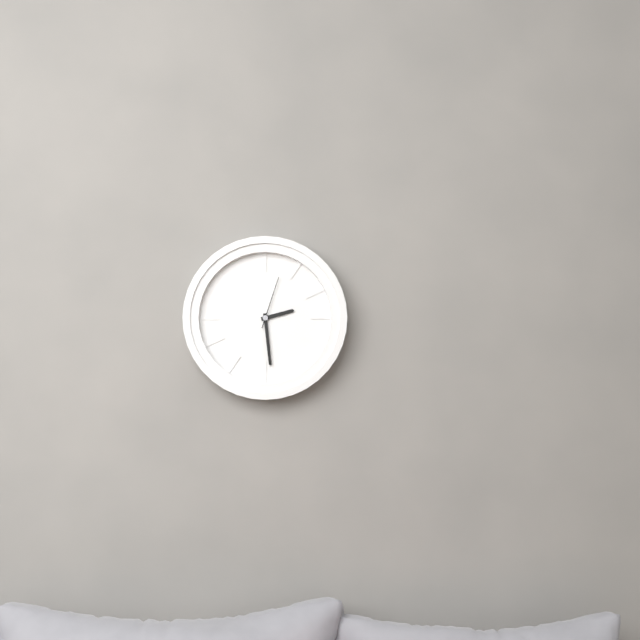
2:29:03
